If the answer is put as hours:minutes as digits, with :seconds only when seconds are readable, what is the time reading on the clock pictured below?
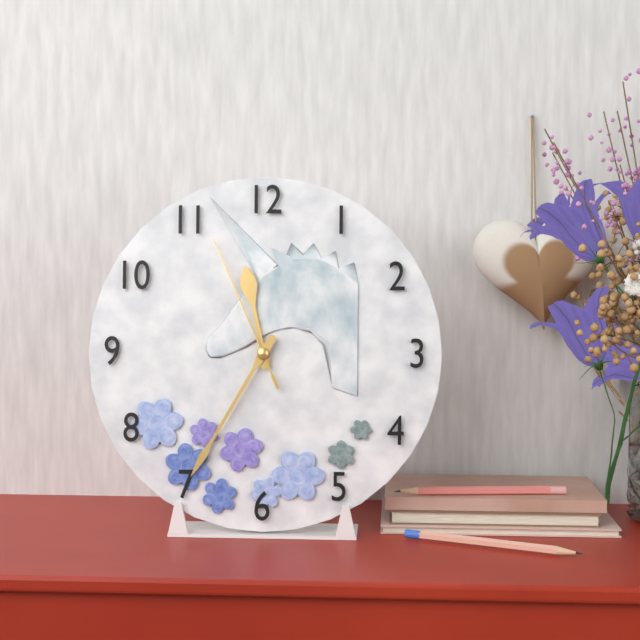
11:35:56
